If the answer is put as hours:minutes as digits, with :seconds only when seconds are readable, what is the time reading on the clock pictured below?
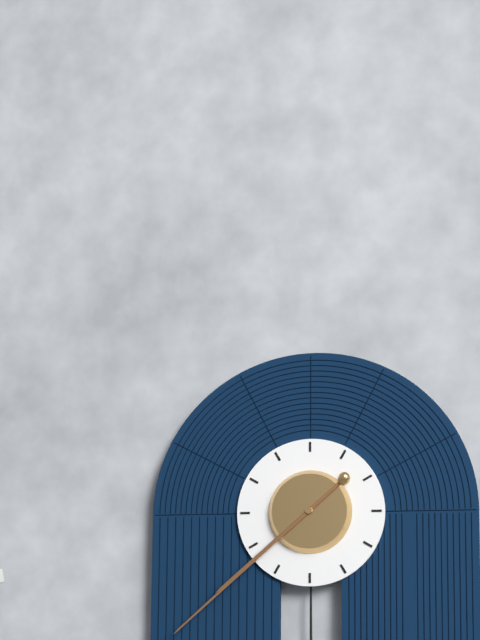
7:38
